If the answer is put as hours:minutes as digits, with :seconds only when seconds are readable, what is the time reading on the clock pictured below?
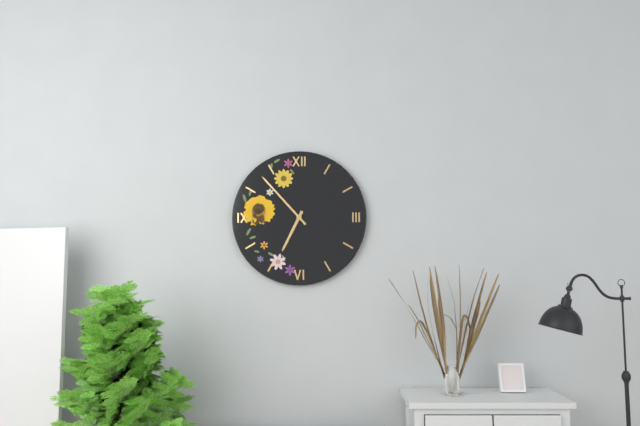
6:53
